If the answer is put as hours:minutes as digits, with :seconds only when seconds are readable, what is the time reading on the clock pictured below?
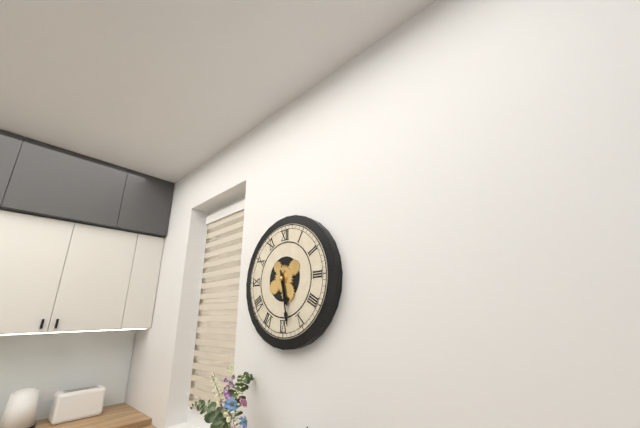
5:28
